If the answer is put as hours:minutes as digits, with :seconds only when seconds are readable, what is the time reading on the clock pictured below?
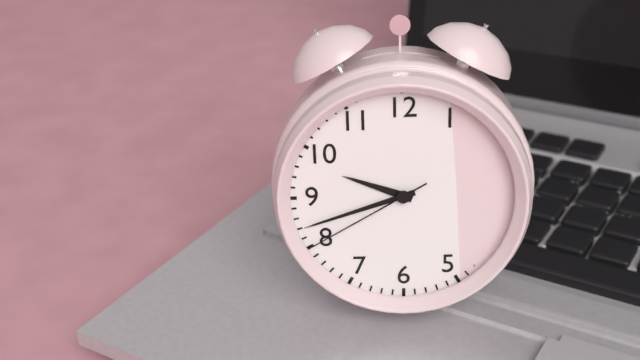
9:42:40
